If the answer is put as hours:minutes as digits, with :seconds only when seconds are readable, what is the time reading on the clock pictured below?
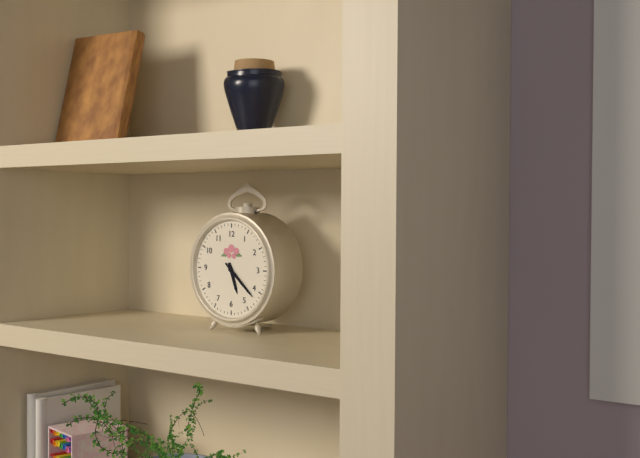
5:22
